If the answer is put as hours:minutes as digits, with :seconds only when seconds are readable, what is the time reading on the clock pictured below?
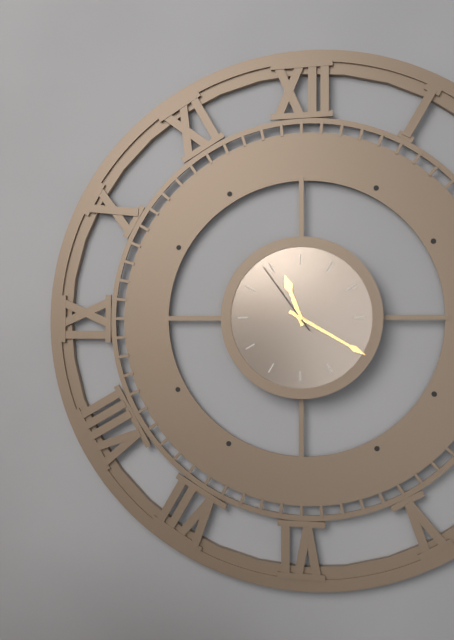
11:20:54
